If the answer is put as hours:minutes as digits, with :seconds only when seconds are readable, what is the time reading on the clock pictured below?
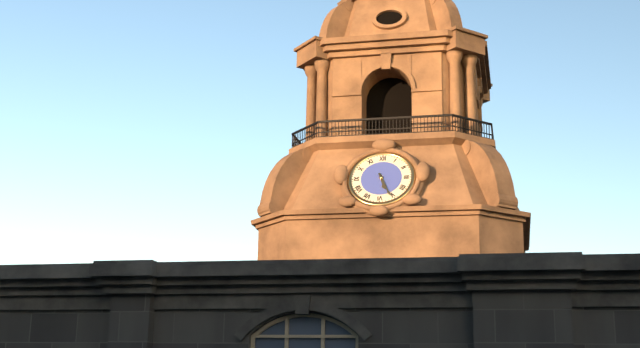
5:26
